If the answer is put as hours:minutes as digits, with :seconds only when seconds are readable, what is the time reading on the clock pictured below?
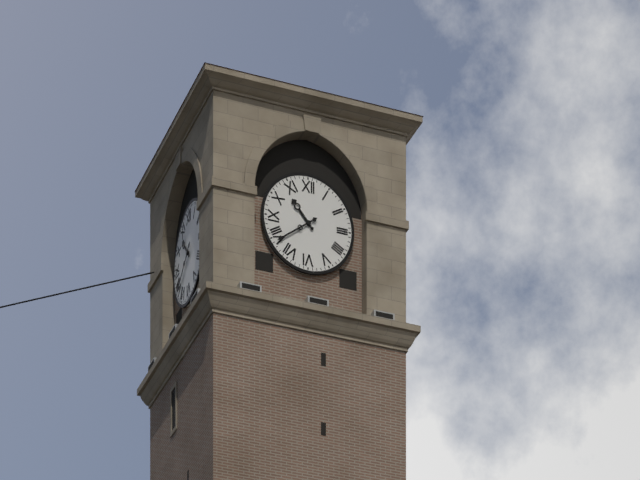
10:39
